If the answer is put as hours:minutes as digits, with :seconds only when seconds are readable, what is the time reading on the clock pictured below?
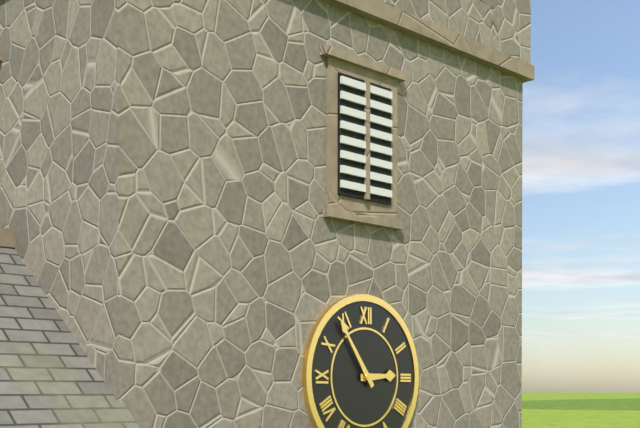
2:54
